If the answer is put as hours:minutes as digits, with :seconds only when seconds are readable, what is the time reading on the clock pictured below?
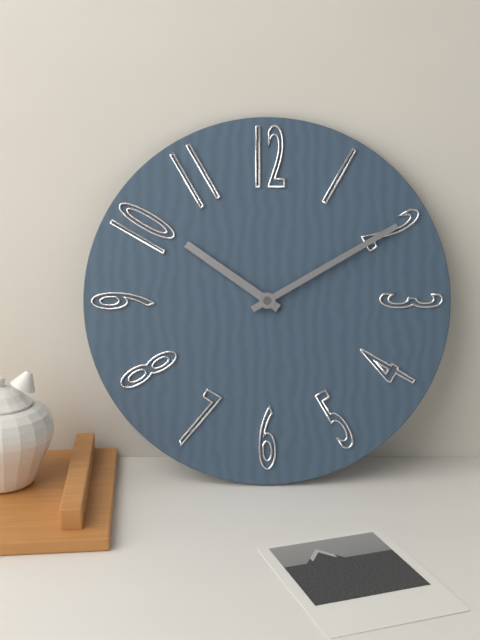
10:10
